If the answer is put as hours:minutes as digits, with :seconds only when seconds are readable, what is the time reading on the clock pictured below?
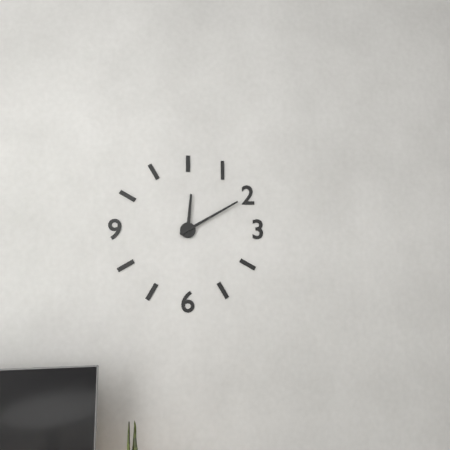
12:10
